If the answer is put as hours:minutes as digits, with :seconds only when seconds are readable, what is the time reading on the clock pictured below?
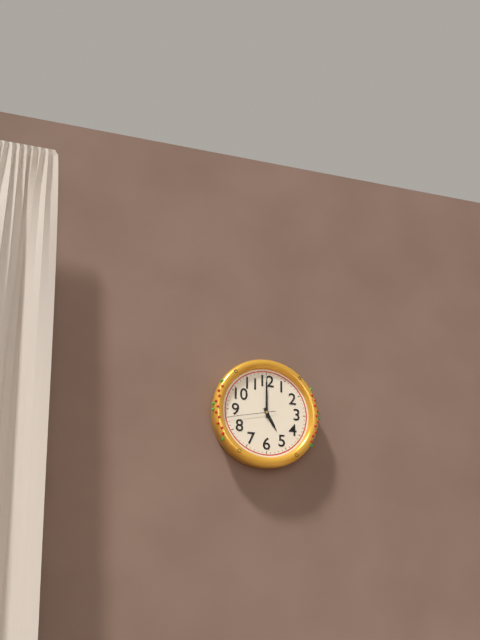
5:00
